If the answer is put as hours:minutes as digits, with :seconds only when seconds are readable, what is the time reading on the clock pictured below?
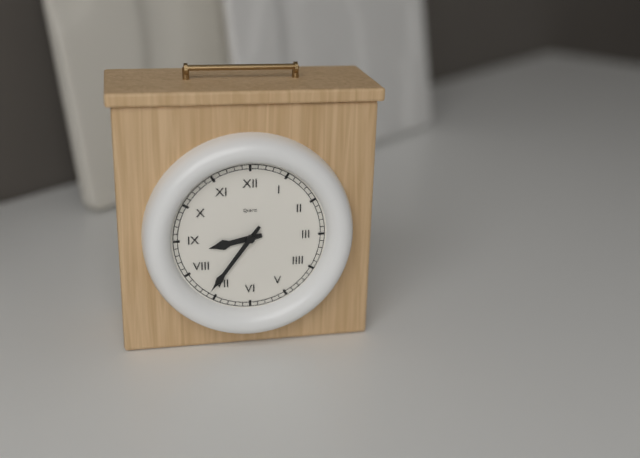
8:36
